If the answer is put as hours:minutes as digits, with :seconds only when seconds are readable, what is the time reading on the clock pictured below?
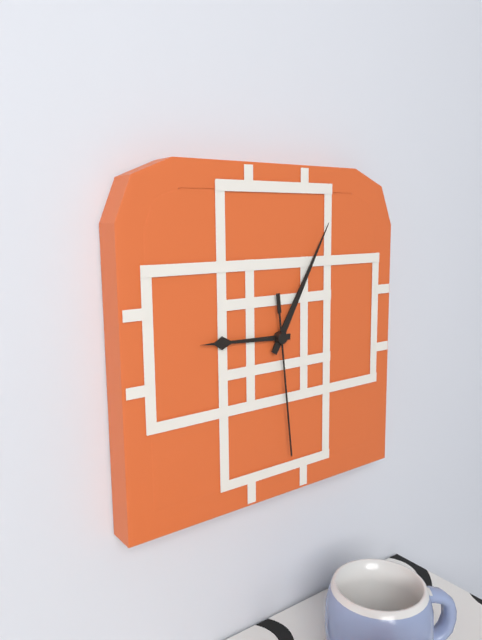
9:05:29
